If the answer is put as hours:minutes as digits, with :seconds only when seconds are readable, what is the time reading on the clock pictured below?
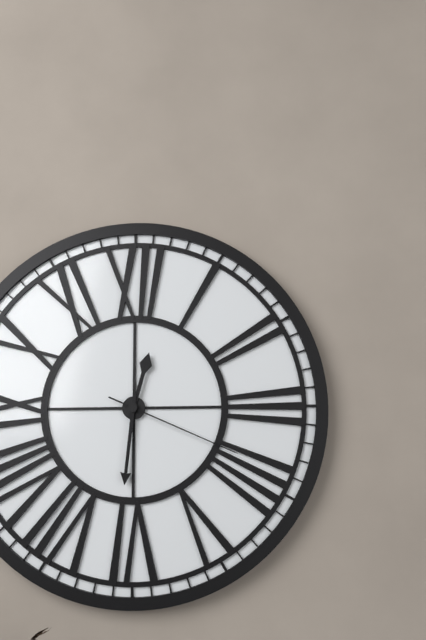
12:31:19
